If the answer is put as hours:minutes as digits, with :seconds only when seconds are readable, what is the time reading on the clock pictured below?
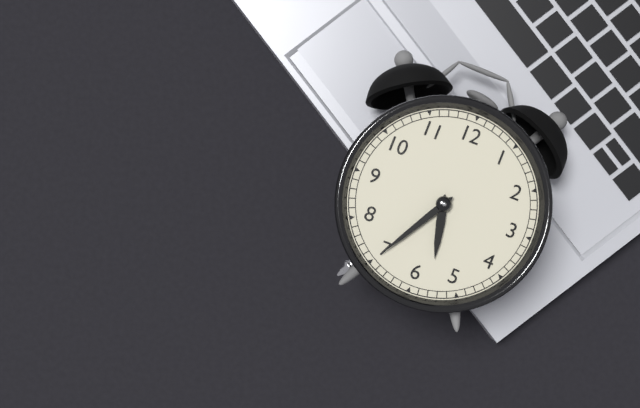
5:35
